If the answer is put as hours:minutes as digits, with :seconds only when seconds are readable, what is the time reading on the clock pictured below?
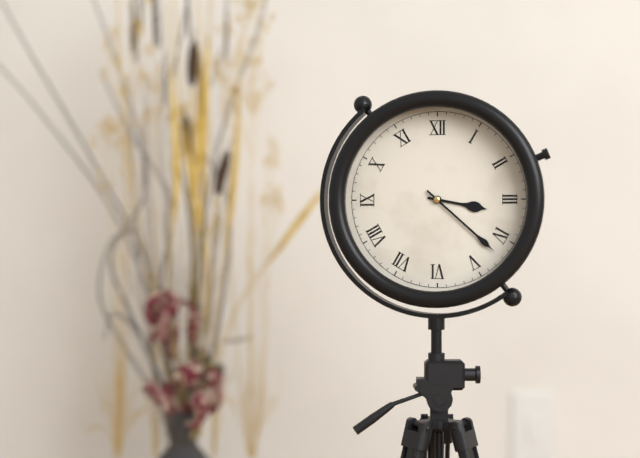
3:22
